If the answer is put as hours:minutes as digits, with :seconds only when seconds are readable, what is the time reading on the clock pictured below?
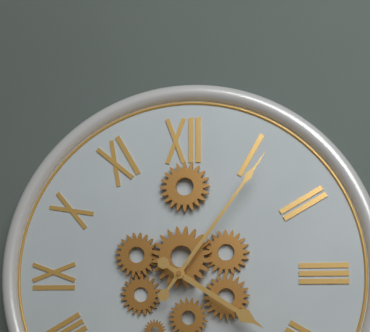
4:06
